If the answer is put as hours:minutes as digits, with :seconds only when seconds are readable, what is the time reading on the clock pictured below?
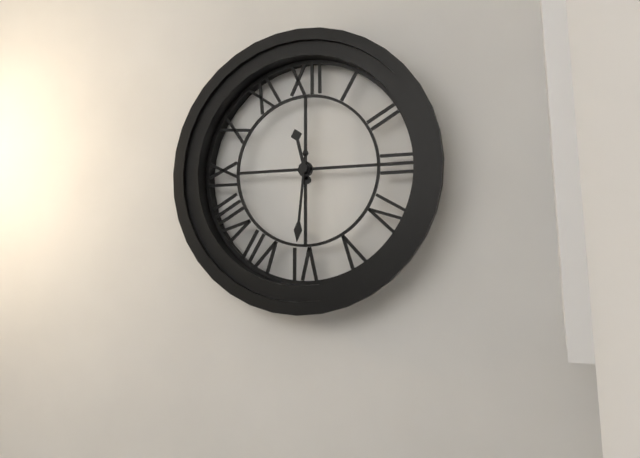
11:31
